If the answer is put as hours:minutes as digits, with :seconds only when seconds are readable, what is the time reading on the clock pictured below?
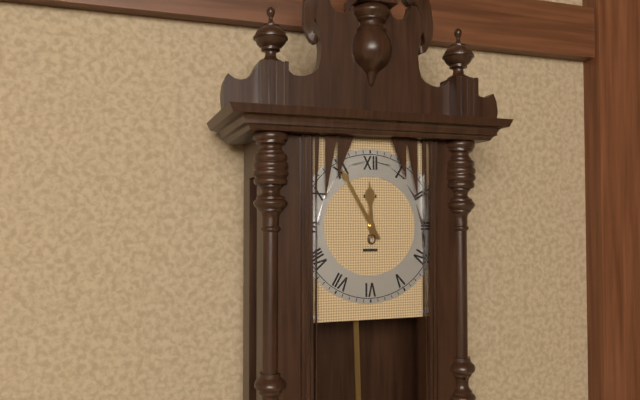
11:55
